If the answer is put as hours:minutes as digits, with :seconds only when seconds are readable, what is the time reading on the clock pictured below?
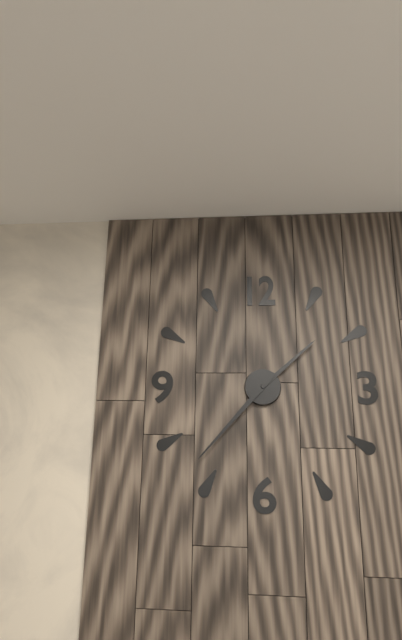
1:37
